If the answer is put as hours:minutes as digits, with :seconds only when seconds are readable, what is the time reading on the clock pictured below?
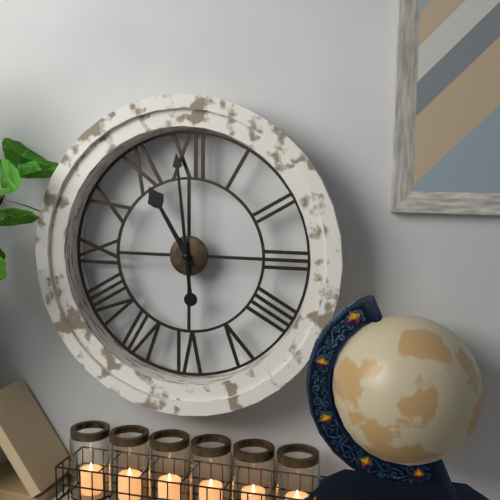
10:59
